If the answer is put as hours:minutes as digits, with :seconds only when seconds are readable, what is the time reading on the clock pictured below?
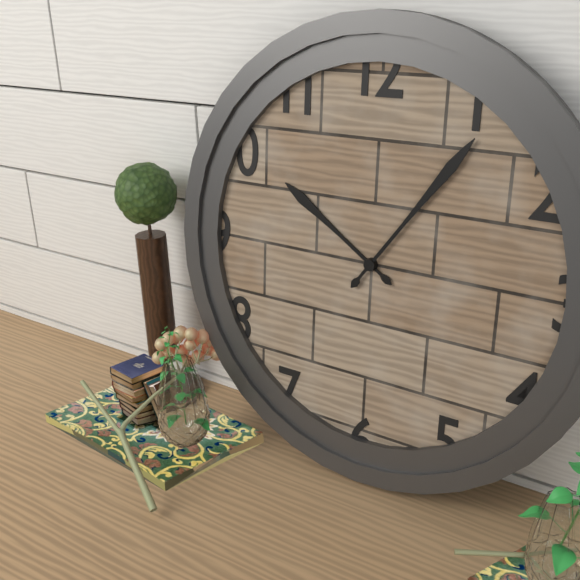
10:06
